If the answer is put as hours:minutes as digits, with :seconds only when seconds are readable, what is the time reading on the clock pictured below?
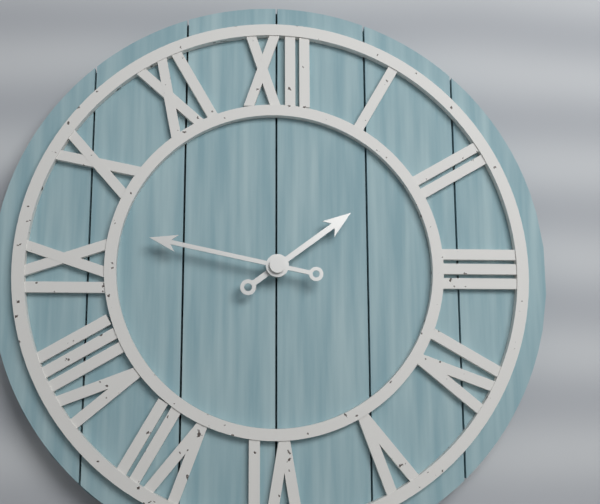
1:47
